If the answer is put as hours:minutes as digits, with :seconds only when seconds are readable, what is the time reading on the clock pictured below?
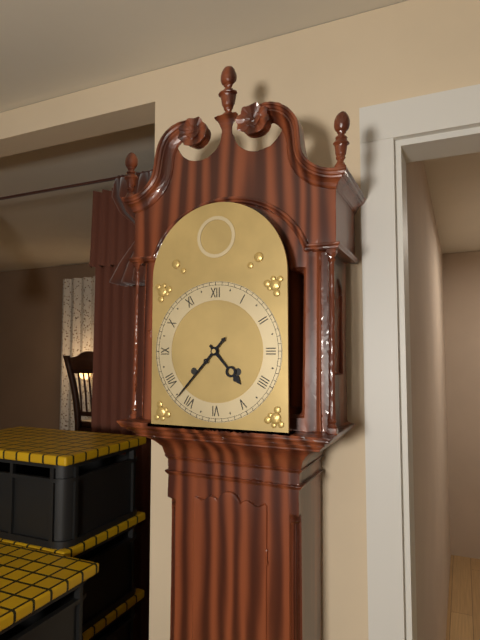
4:37
